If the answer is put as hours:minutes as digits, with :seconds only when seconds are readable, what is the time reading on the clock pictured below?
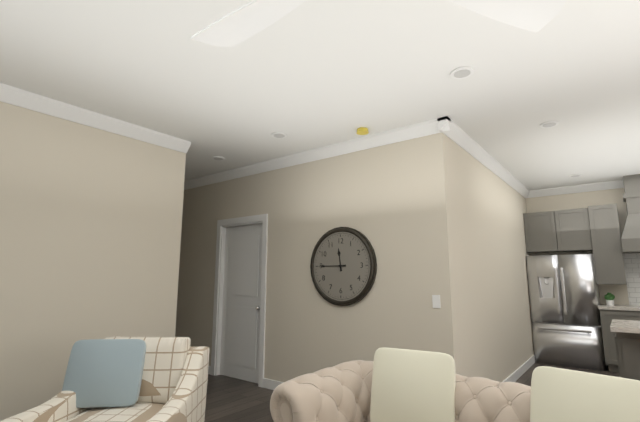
11:45
